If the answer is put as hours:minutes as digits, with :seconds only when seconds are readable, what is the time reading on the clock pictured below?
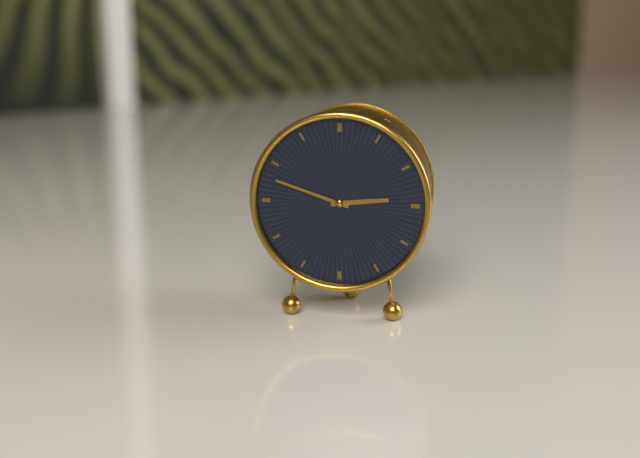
2:48
